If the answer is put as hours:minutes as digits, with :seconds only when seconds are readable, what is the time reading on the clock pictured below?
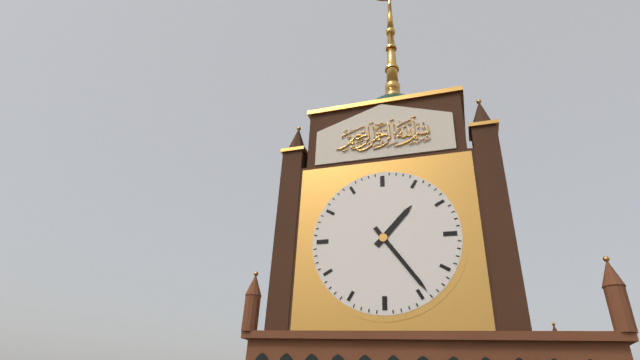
1:24
